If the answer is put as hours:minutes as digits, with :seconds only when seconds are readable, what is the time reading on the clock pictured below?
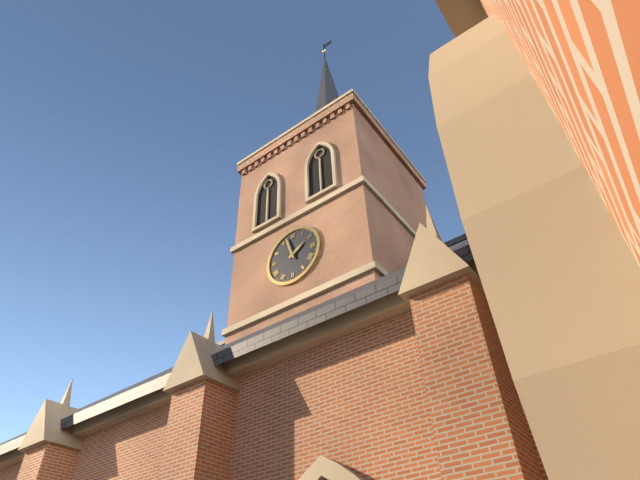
1:57
